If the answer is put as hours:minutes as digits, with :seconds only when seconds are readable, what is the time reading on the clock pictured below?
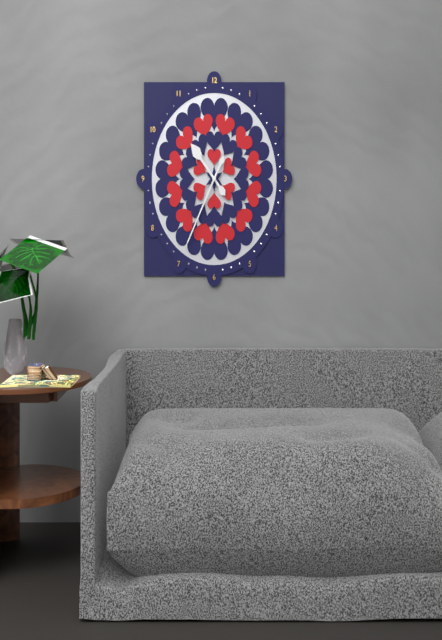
10:35
